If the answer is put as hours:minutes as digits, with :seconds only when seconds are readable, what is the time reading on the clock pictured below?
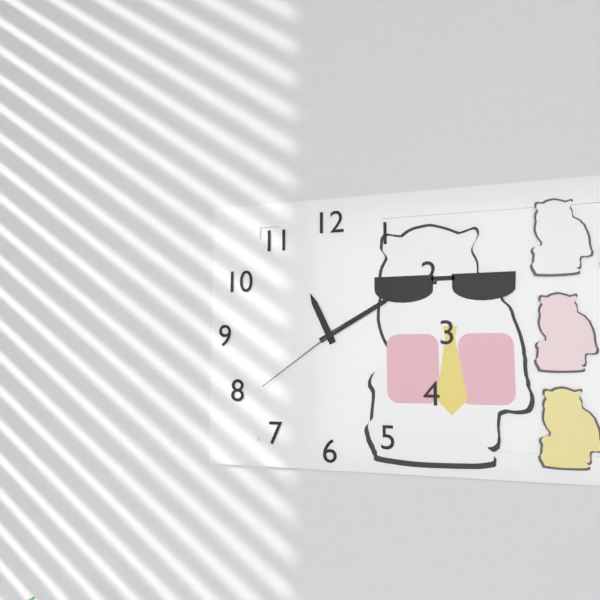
11:10:39
